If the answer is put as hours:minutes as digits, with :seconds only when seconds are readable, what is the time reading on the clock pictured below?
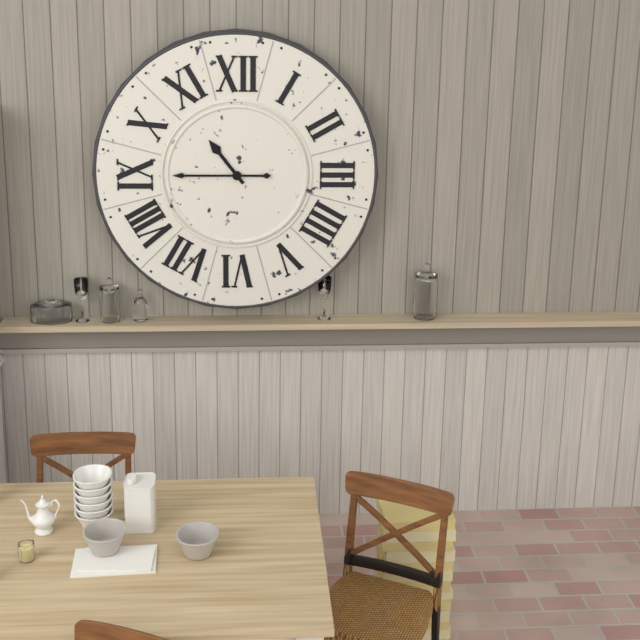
10:45
